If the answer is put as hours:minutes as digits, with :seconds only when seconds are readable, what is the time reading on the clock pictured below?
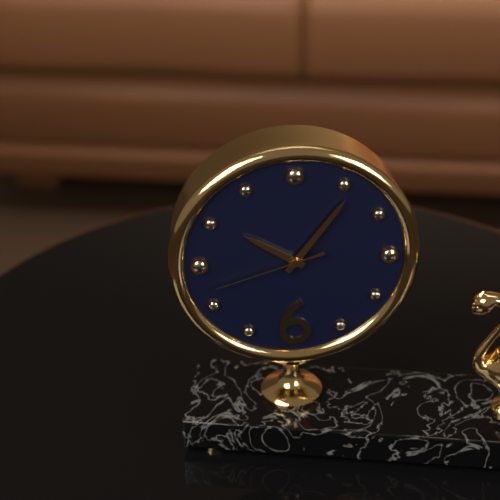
10:06:42
